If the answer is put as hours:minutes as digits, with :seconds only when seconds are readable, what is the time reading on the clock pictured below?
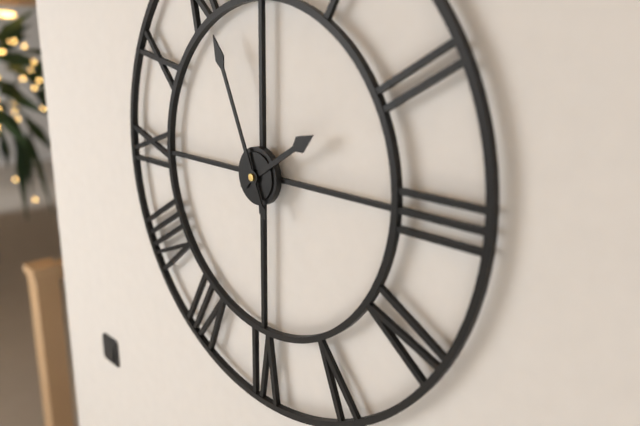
1:56
